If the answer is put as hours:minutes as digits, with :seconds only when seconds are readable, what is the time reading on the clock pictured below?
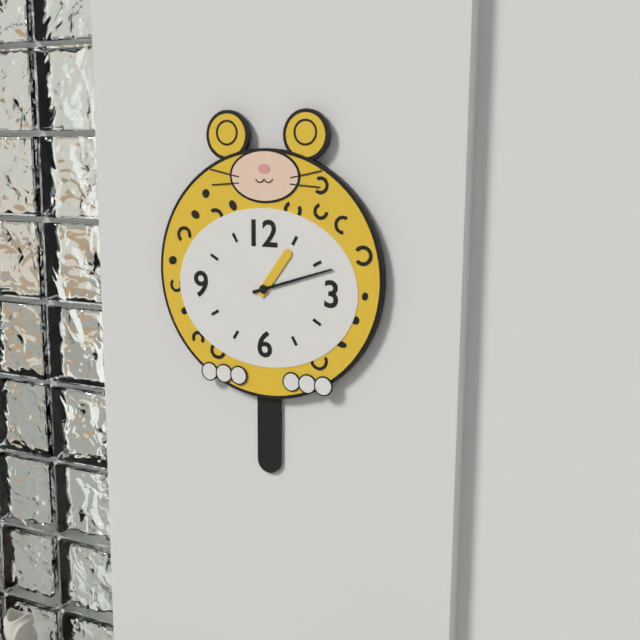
1:12
